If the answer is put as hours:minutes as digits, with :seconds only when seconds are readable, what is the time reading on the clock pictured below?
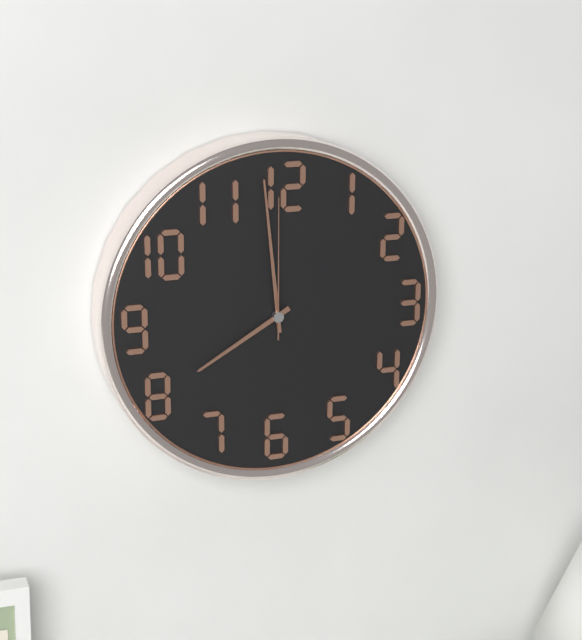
7:59:00
